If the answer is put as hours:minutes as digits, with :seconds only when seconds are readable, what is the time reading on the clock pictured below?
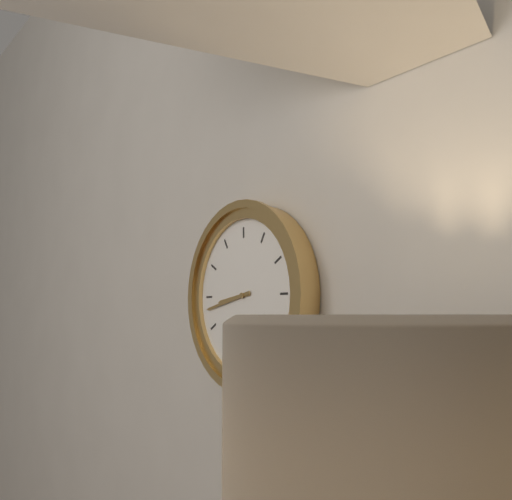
8:43
